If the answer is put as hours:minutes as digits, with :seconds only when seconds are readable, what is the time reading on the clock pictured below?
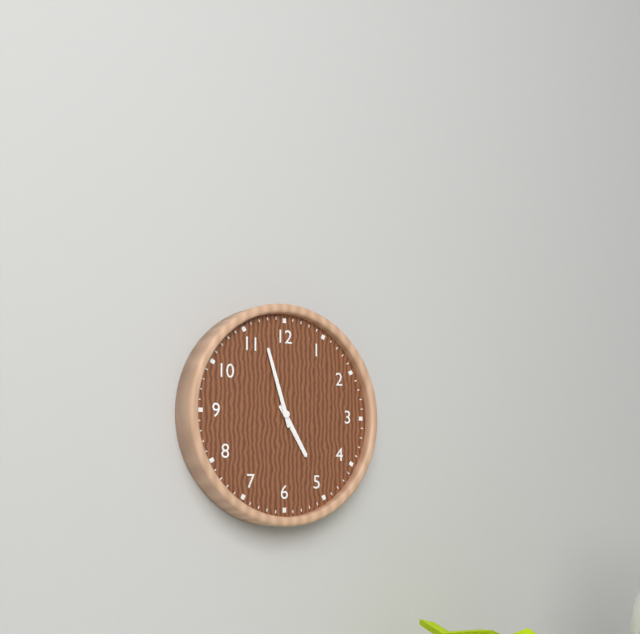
4:57
